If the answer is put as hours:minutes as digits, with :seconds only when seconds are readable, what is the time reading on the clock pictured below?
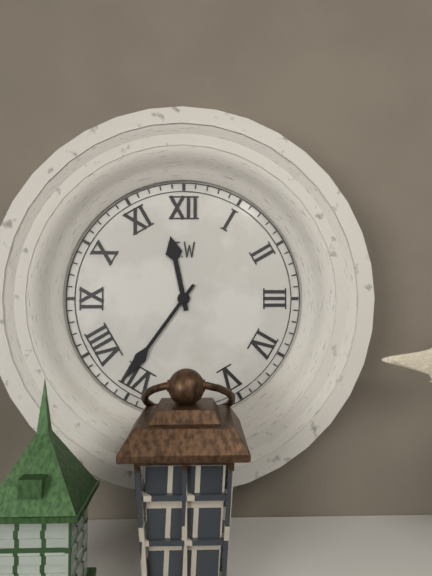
11:36
